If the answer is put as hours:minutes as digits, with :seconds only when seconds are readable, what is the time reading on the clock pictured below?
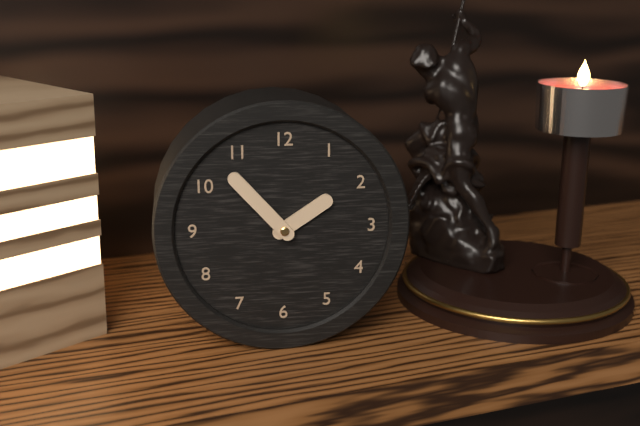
1:53
